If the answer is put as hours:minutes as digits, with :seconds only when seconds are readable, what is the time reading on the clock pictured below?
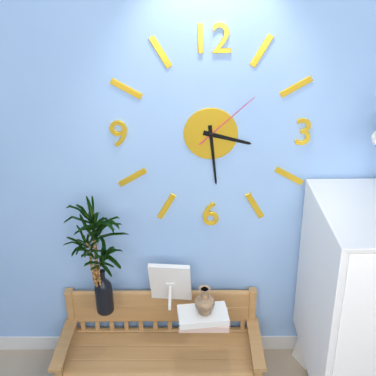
3:29:08
